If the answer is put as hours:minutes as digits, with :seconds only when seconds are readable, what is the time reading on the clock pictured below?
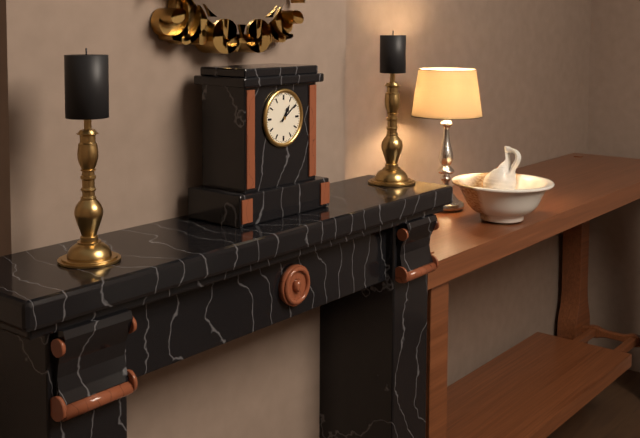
1:09
